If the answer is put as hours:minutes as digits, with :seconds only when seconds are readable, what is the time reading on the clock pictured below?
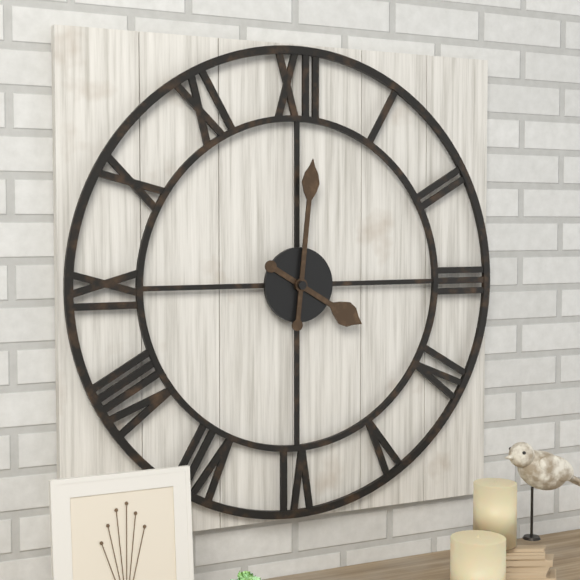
4:01
